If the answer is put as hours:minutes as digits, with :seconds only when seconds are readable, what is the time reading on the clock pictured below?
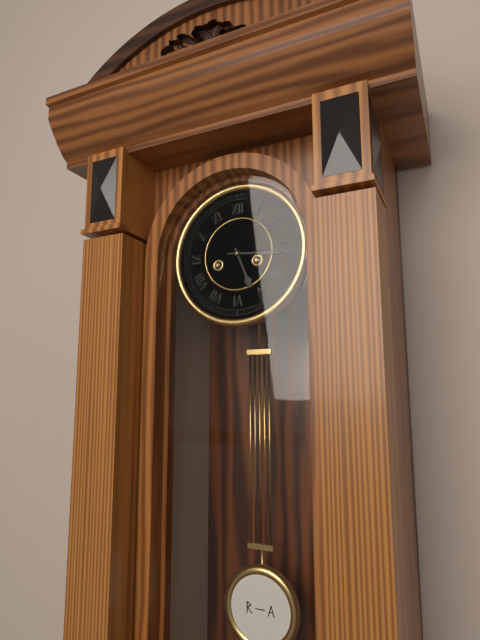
5:16
